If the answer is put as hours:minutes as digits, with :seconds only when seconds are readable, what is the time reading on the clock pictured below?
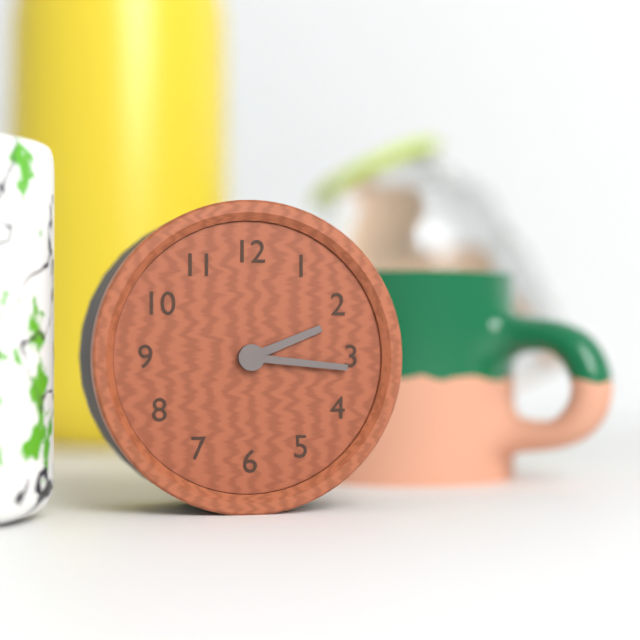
2:16
